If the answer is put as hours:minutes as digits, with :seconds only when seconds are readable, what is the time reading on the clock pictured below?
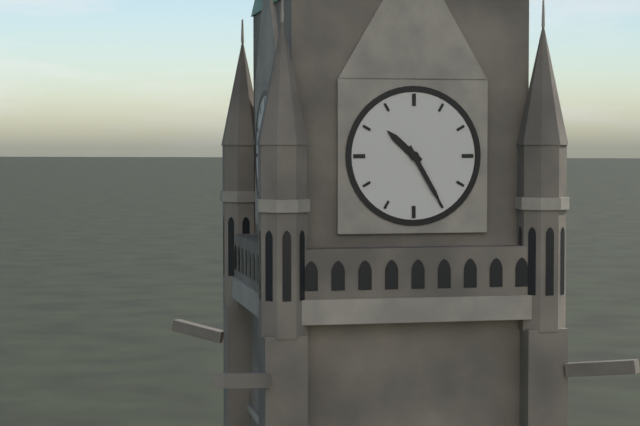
10:25
